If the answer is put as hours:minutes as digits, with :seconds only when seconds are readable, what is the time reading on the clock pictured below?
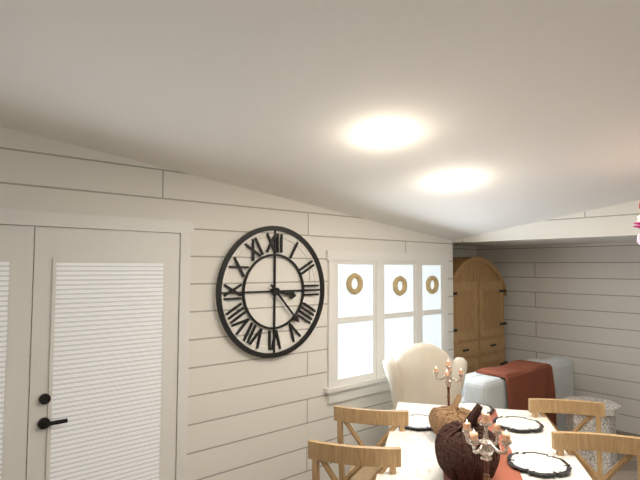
3:23
